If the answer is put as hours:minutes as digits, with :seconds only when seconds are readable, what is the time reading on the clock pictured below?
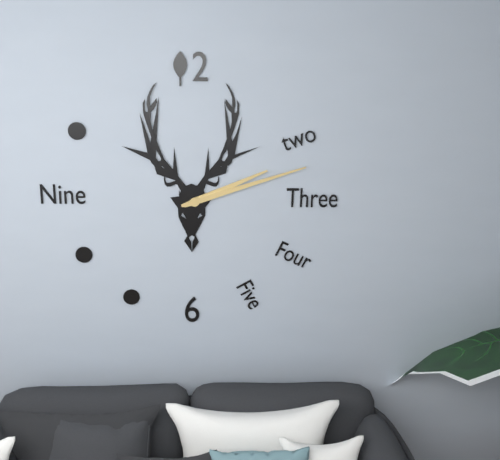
2:12
